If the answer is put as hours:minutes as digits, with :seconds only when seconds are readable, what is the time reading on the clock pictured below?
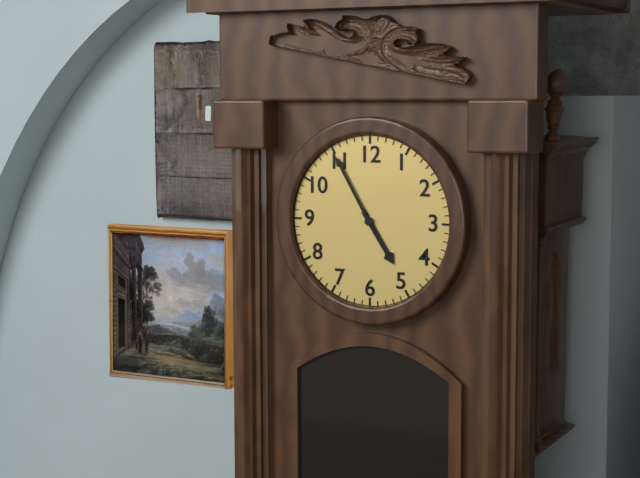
4:55
